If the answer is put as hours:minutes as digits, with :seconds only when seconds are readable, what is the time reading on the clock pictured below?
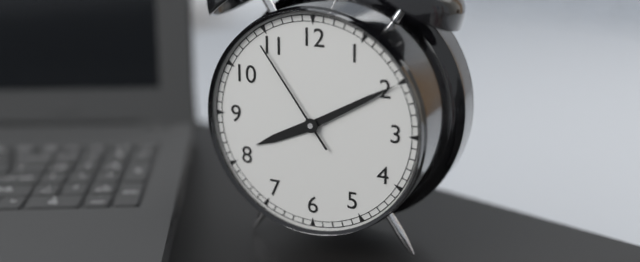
8:10:54
